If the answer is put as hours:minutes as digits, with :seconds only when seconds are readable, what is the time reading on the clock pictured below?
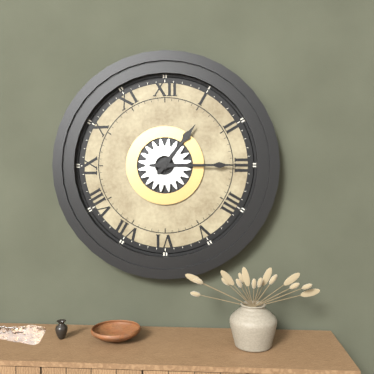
1:15
